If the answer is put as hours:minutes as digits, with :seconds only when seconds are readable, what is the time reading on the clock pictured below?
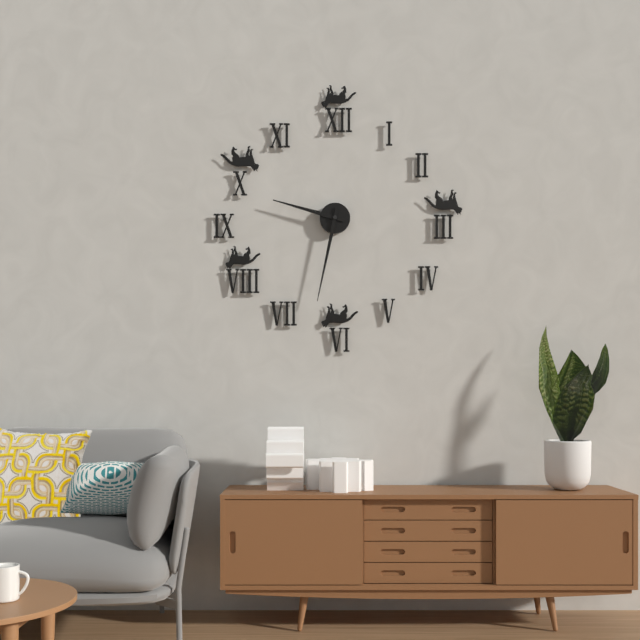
9:32
